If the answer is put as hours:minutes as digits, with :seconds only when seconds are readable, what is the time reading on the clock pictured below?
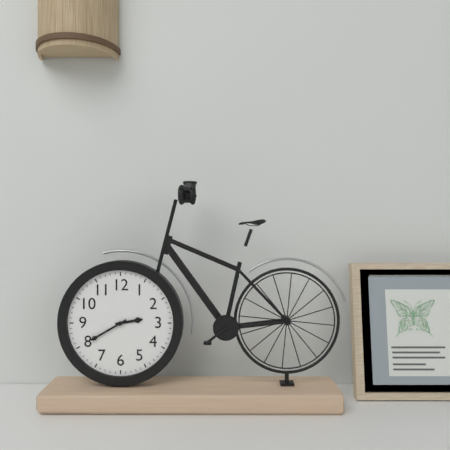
2:40
